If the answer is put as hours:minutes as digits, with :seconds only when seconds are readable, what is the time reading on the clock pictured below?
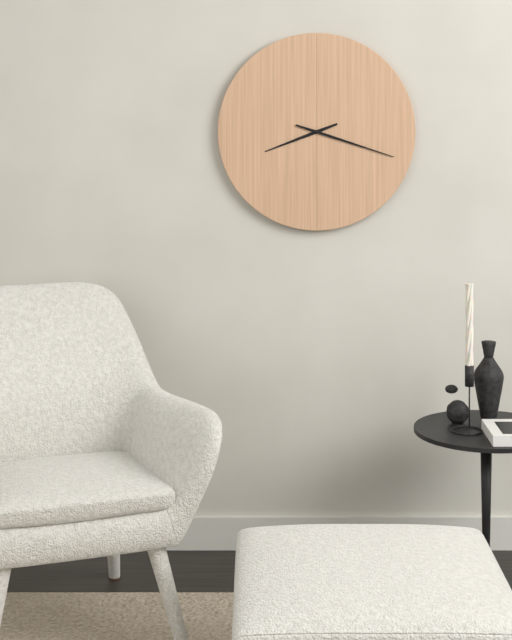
8:18
